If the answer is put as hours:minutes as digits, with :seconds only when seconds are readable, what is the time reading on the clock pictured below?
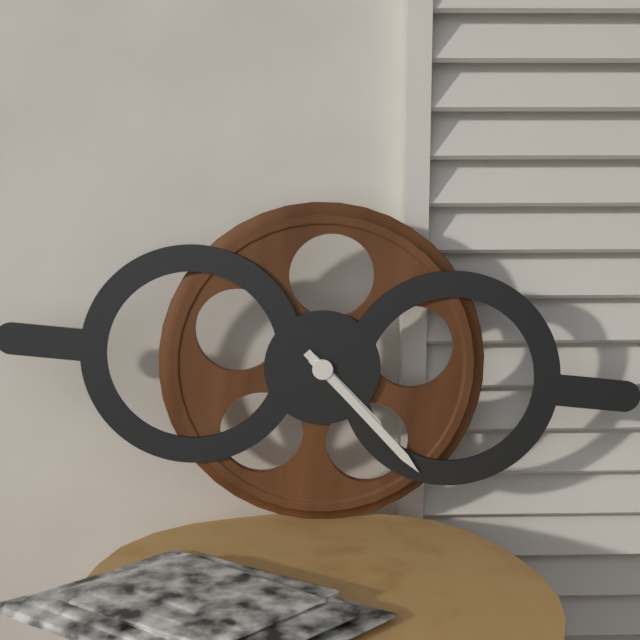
4:22
